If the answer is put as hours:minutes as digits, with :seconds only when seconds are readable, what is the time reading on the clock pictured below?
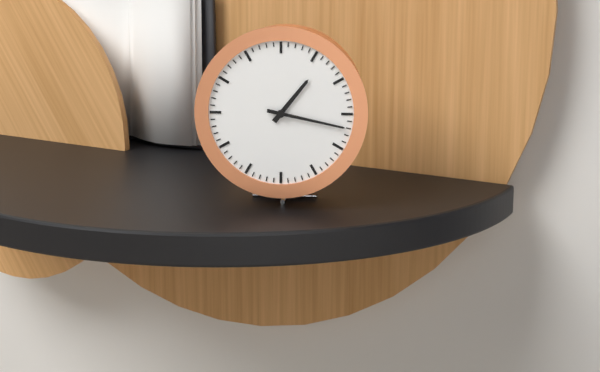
1:17
